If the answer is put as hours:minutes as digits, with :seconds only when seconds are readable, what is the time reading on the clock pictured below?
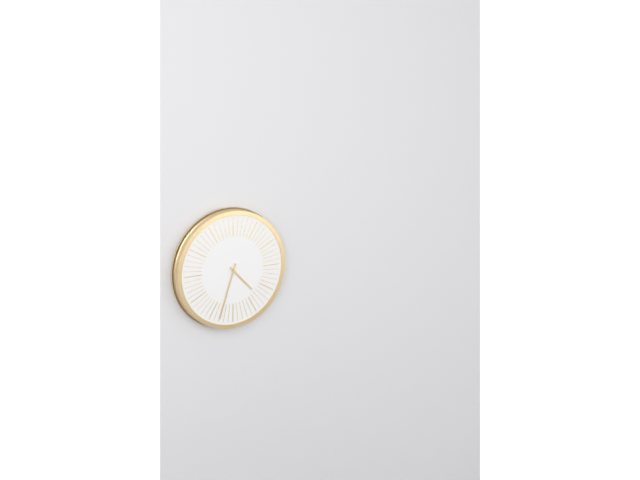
4:33
